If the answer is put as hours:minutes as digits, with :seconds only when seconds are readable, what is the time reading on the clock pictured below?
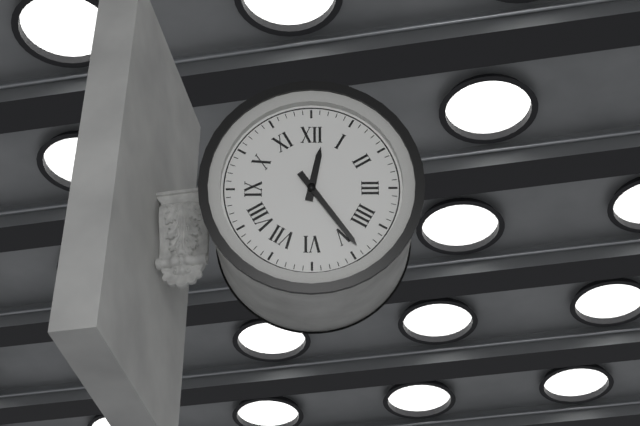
12:24
